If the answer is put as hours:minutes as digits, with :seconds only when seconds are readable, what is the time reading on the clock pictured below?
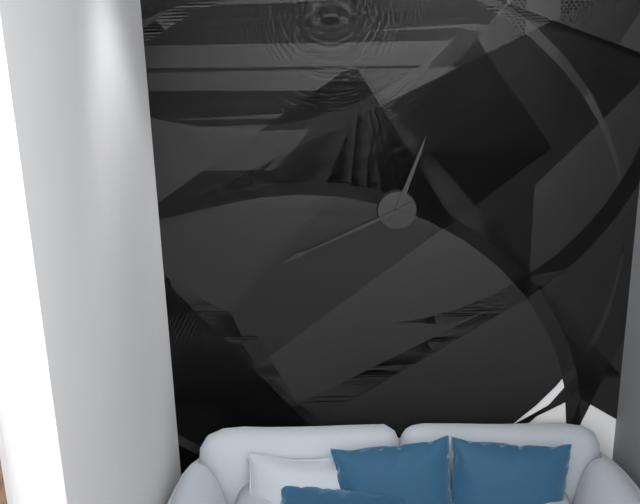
12:41
